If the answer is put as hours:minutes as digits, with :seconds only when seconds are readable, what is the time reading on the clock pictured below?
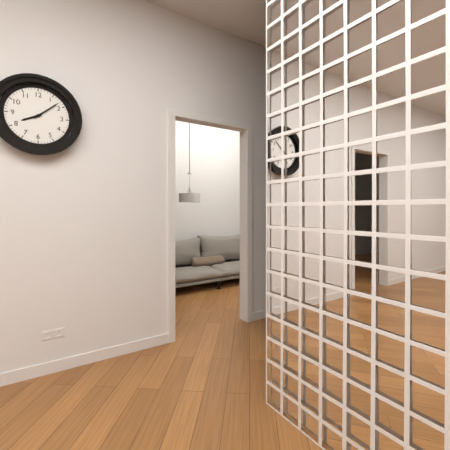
8:08
